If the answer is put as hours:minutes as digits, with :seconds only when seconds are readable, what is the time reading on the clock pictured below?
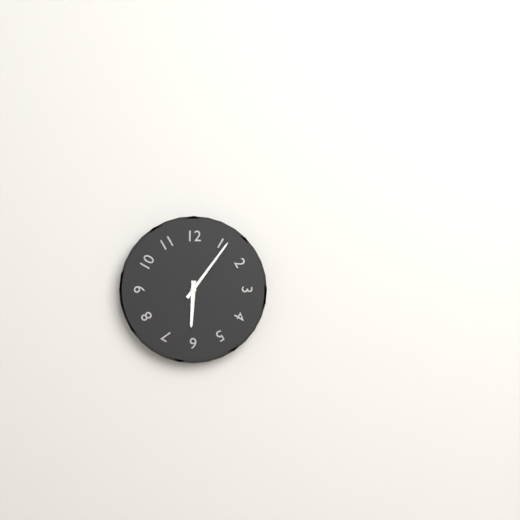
6:06
